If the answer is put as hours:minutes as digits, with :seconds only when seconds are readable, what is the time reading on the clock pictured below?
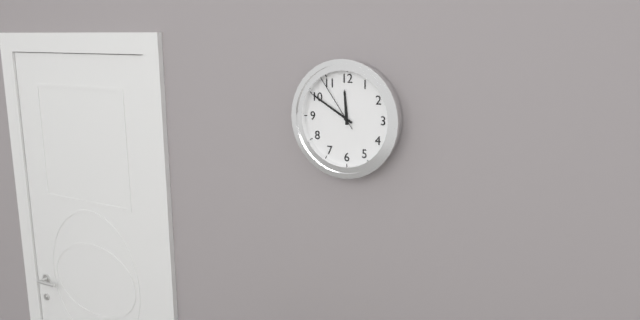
11:50:54
